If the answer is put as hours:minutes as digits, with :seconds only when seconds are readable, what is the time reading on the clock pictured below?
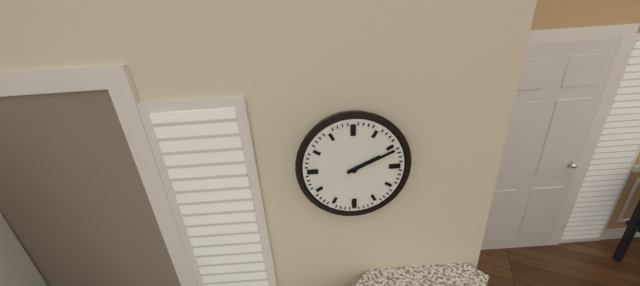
2:11
